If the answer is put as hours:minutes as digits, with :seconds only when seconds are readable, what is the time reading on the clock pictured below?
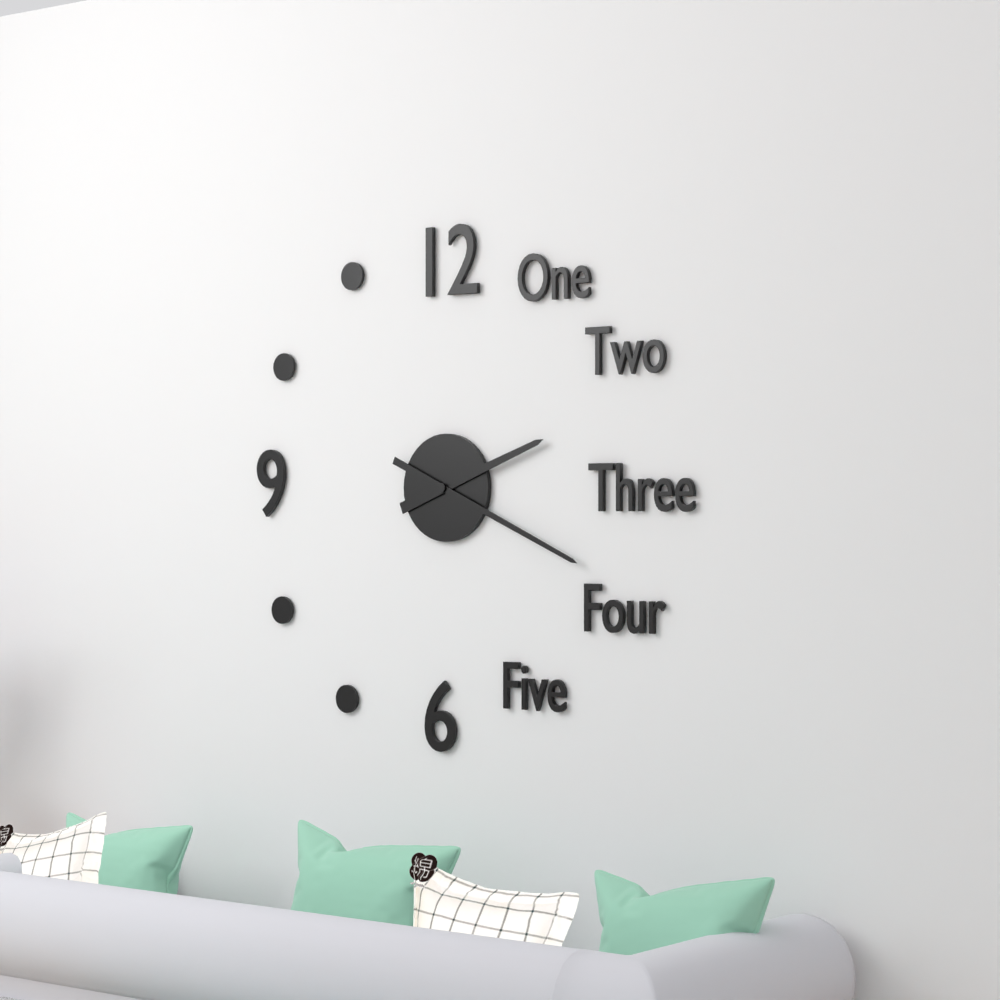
2:19
